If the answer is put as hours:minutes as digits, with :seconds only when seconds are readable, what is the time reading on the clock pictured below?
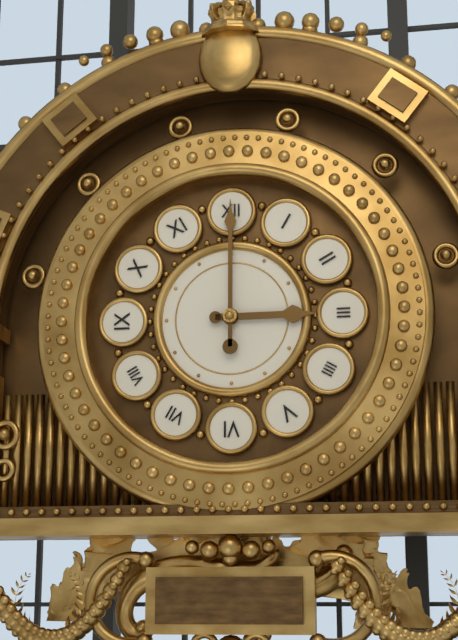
3:00
